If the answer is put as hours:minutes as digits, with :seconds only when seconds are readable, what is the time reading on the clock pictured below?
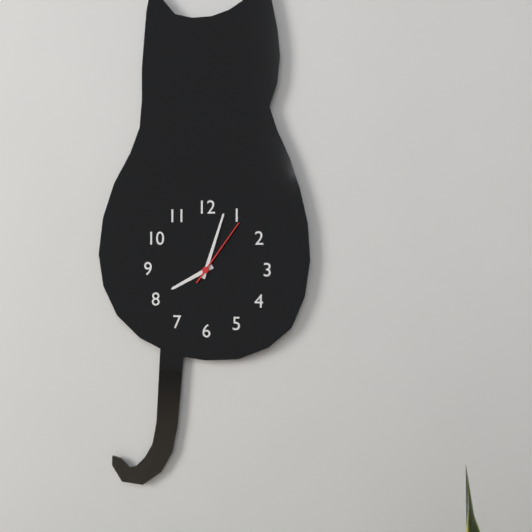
8:03:06
